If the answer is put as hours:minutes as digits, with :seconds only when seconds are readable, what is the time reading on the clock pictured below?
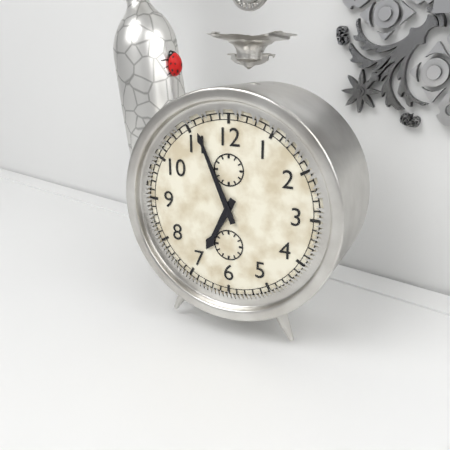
6:56
